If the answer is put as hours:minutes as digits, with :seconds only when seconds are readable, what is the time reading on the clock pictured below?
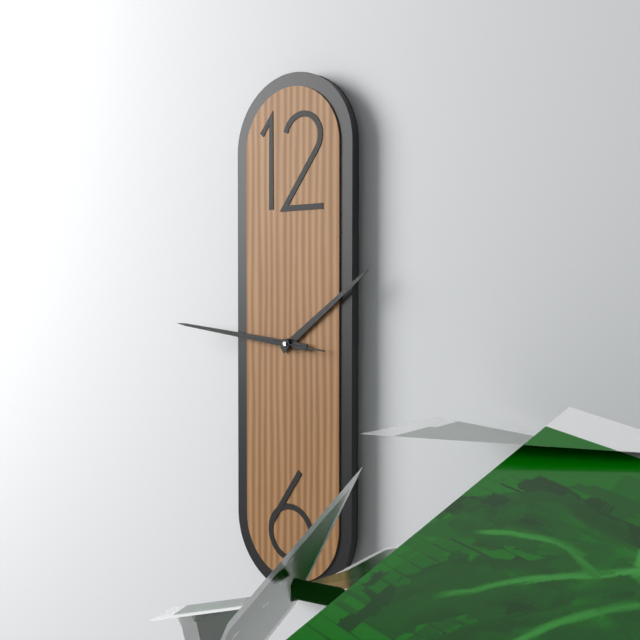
1:46:46
